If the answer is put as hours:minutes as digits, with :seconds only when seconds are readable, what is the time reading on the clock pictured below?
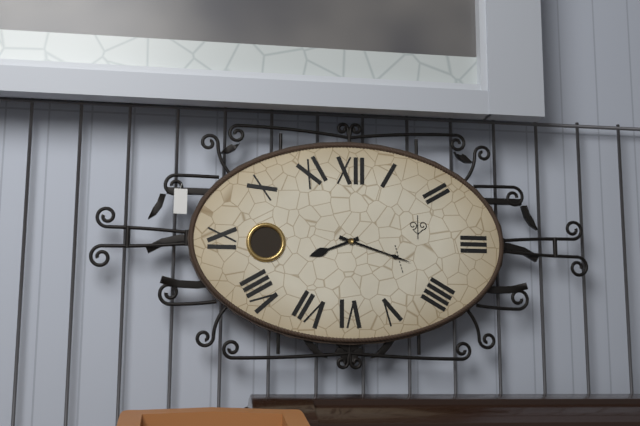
8:18
